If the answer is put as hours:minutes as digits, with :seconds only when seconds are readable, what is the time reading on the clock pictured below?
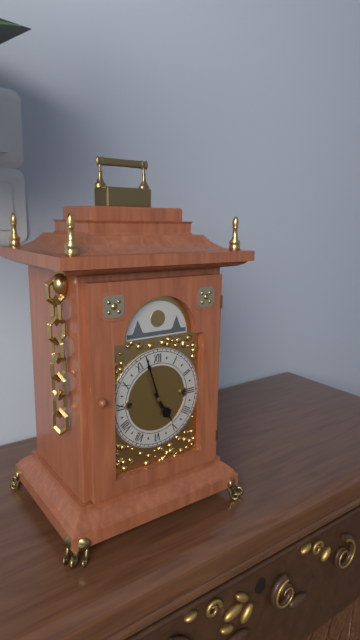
4:57
